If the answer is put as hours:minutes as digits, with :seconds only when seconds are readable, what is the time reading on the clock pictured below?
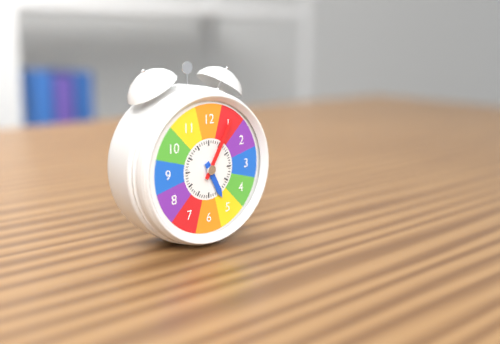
5:05
